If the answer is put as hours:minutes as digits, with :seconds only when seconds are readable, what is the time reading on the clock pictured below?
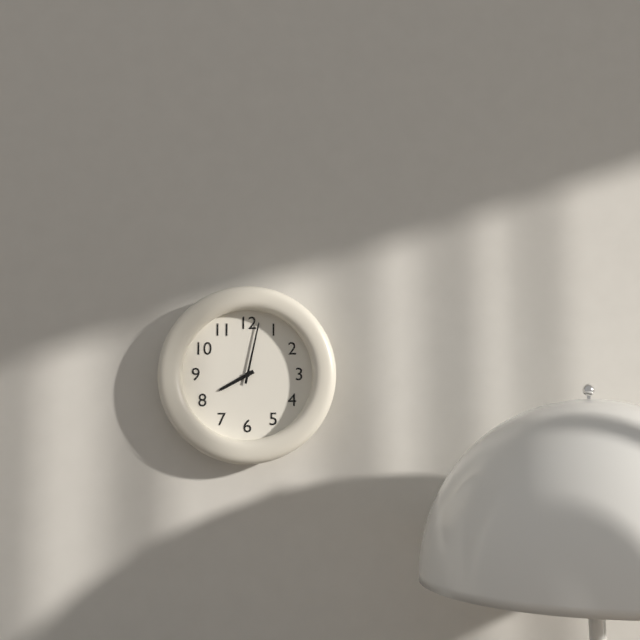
8:02
